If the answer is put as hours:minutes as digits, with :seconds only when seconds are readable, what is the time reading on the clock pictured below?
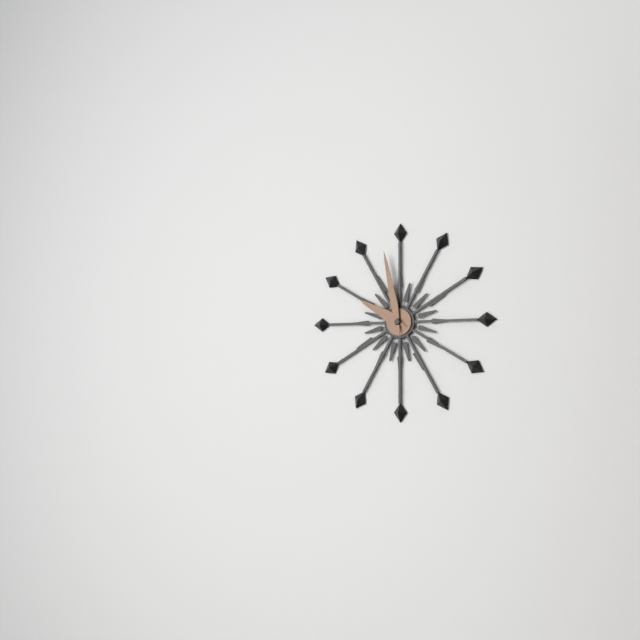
9:58
